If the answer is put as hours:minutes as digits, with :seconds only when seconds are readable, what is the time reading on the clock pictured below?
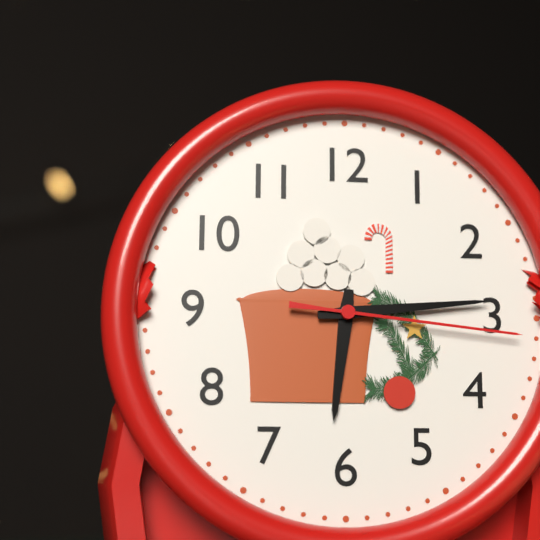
6:14:16
